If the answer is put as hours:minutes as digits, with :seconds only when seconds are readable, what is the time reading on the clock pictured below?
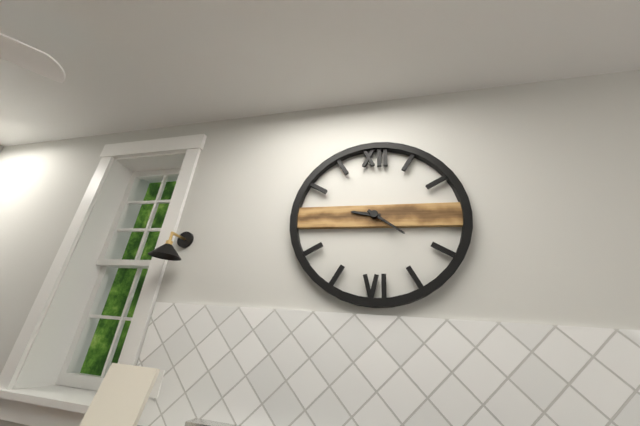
9:21
